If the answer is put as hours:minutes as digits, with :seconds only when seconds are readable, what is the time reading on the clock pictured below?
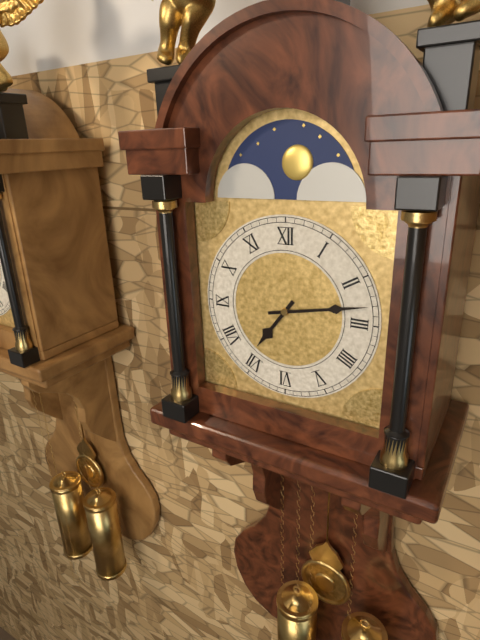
7:13
